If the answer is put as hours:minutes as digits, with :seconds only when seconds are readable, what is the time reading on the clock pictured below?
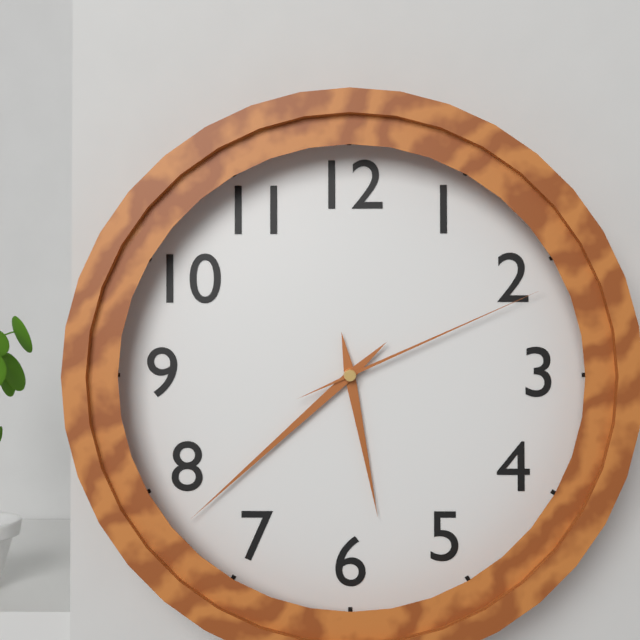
5:38:11
